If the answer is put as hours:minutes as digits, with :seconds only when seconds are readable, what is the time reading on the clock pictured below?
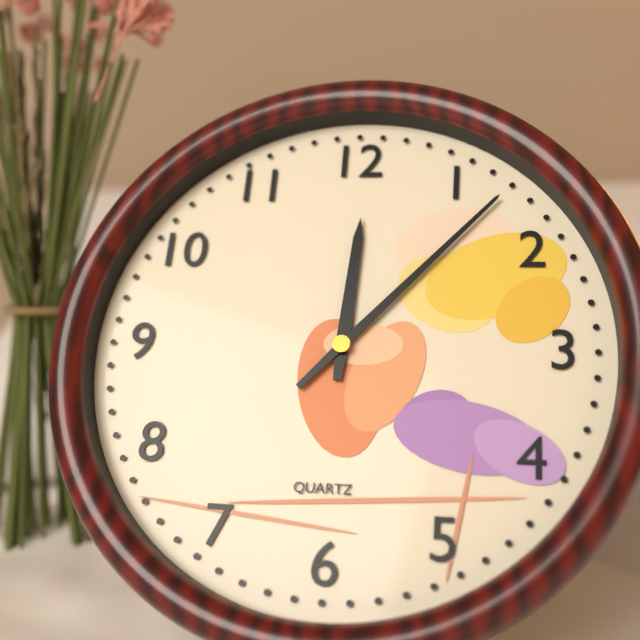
12:07
